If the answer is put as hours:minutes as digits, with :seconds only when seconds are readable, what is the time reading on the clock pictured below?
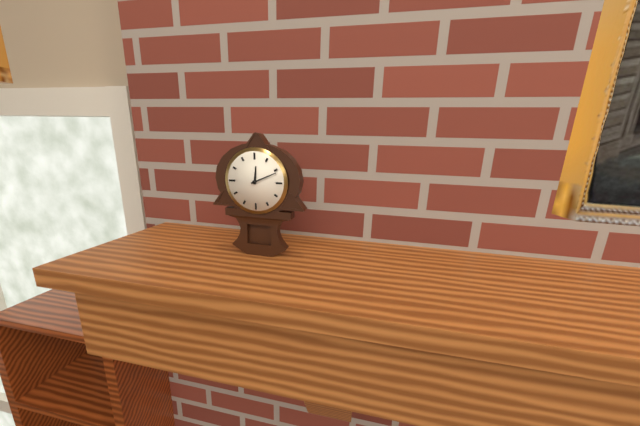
12:11
